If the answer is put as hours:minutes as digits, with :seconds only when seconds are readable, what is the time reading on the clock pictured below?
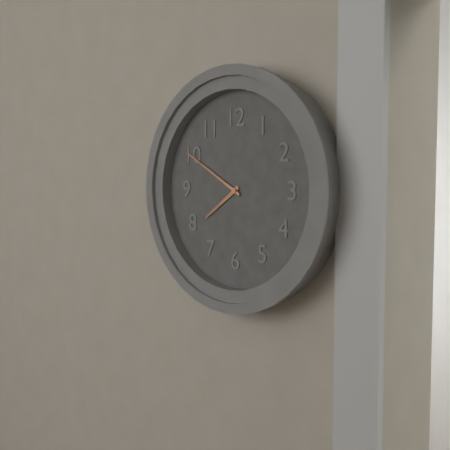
7:50
